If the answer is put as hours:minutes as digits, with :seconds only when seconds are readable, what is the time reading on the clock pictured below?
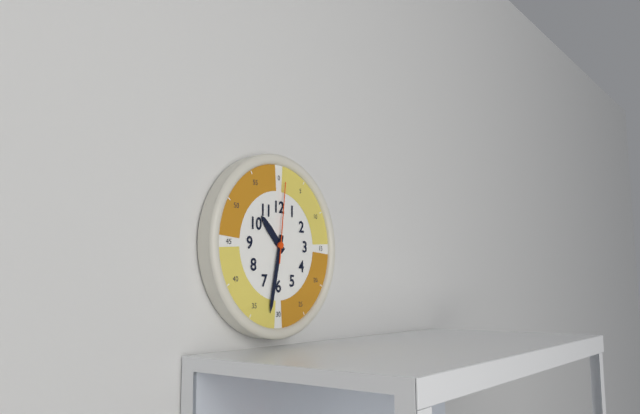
10:32:01
